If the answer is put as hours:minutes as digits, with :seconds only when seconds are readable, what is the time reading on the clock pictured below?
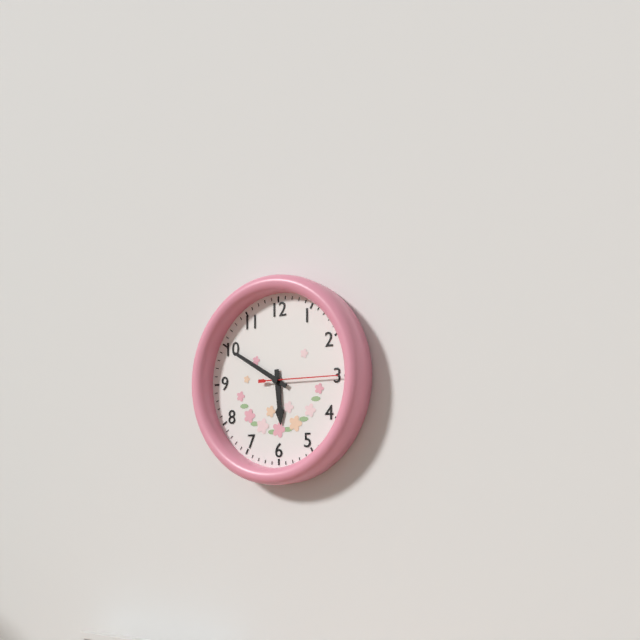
5:50:15
